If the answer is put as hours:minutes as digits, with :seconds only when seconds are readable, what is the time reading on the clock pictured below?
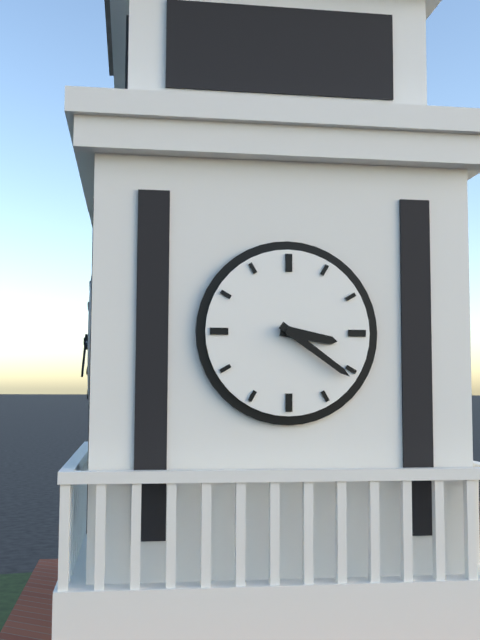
3:21
